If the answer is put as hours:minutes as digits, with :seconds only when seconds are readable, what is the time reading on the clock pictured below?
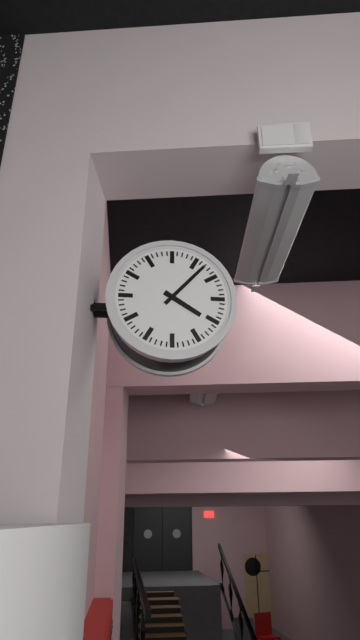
4:07
